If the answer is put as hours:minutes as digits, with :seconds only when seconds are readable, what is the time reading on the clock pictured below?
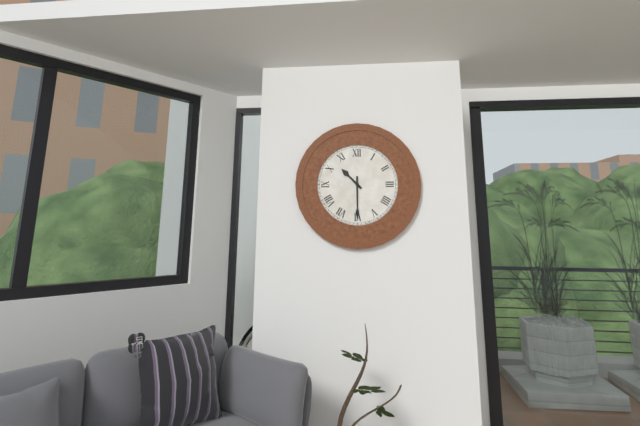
10:30
